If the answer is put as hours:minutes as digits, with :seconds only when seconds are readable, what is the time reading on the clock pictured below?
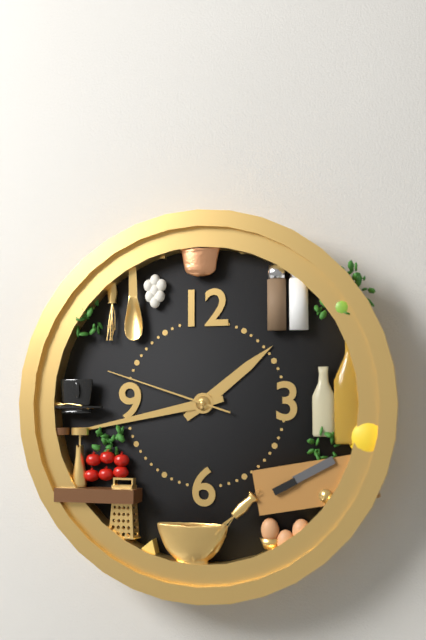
1:43:48
